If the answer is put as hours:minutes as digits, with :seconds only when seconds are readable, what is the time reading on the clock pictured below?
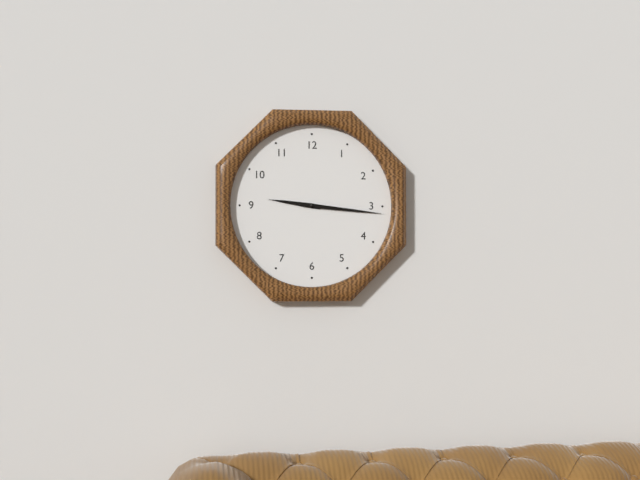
9:16
